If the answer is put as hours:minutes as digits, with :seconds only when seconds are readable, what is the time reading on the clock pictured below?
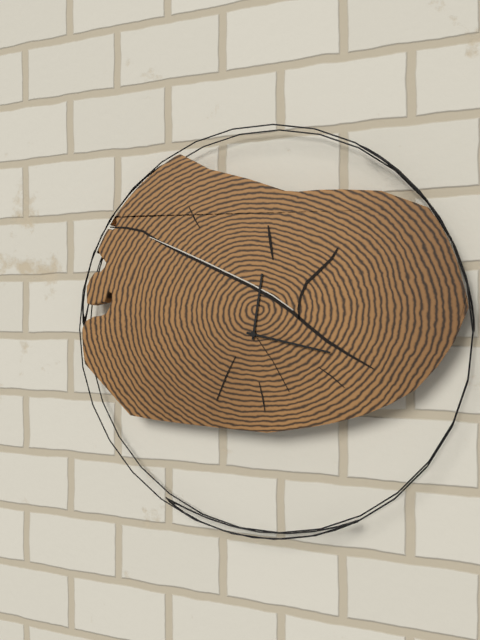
12:17
